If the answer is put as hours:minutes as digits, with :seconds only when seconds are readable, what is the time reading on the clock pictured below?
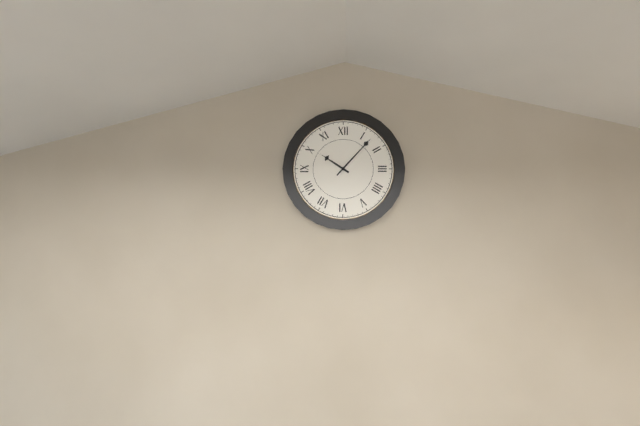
10:07
